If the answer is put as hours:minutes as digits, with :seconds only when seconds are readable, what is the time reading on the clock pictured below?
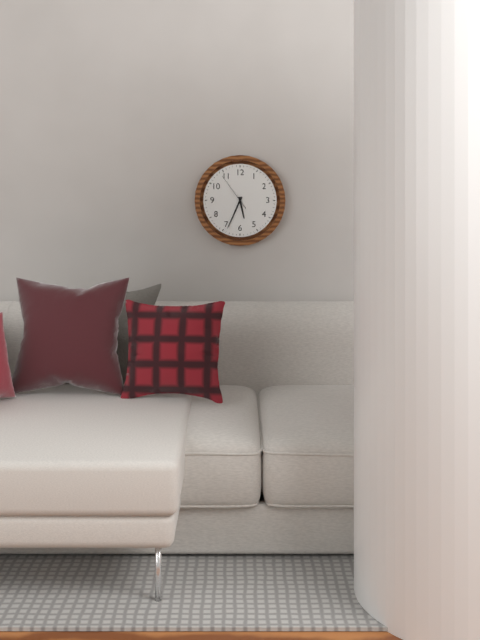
5:34
